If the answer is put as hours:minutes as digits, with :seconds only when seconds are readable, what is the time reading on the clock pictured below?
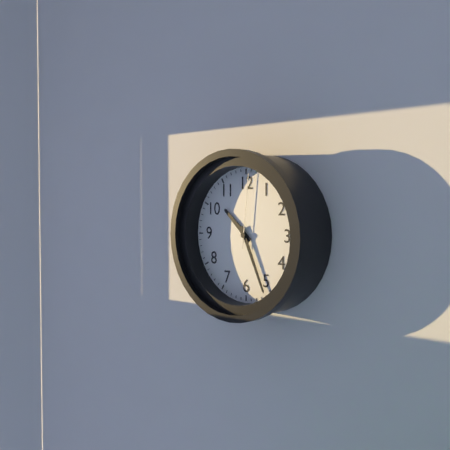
10:26:01
